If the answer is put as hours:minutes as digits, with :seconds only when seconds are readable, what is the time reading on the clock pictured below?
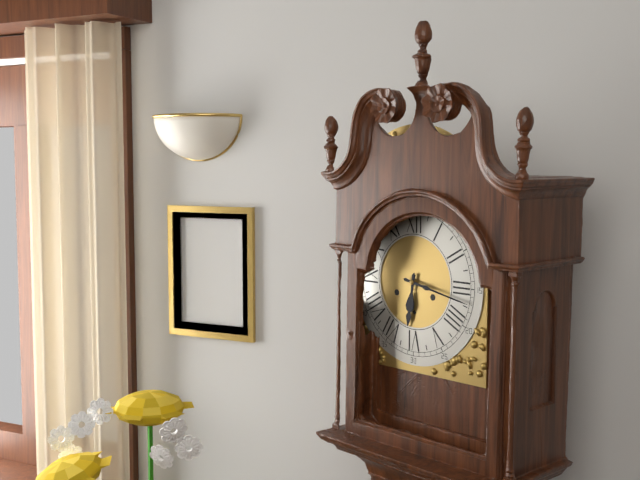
6:17
